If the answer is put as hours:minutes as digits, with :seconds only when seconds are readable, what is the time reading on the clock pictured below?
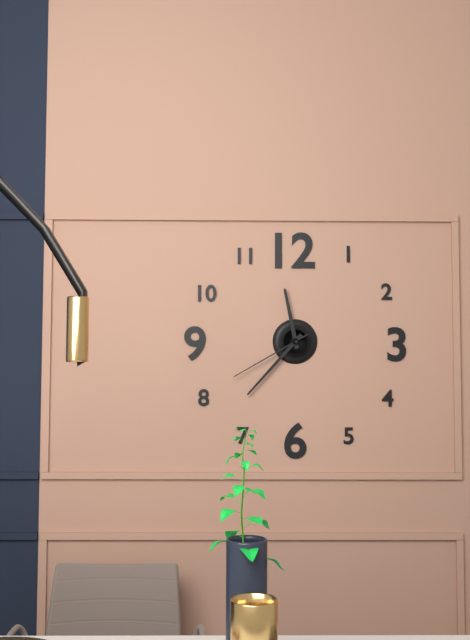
11:37:40
